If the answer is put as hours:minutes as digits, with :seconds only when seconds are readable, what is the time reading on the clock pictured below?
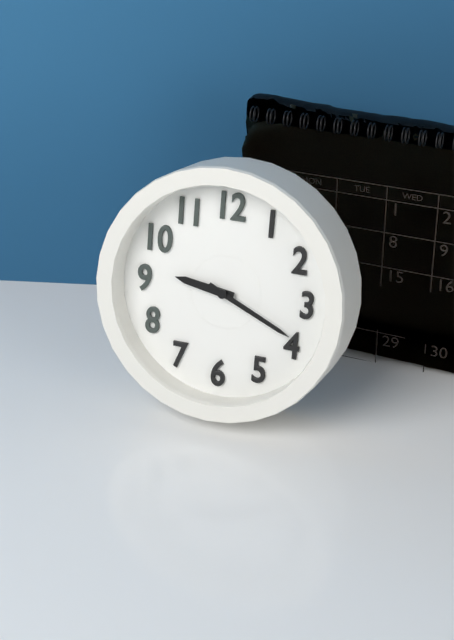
9:19
